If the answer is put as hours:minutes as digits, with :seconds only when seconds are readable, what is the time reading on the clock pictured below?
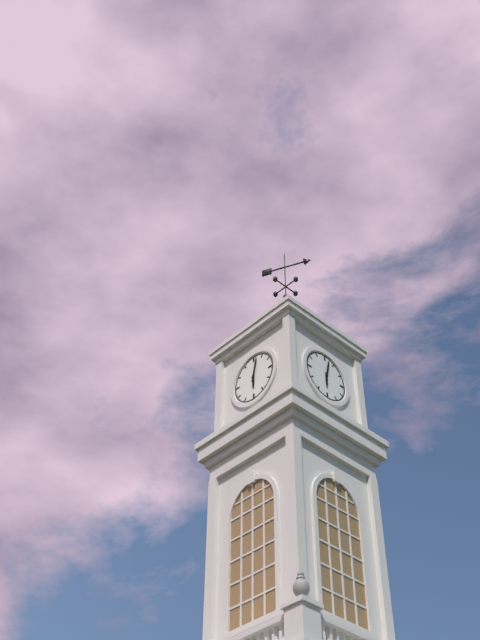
6:02
